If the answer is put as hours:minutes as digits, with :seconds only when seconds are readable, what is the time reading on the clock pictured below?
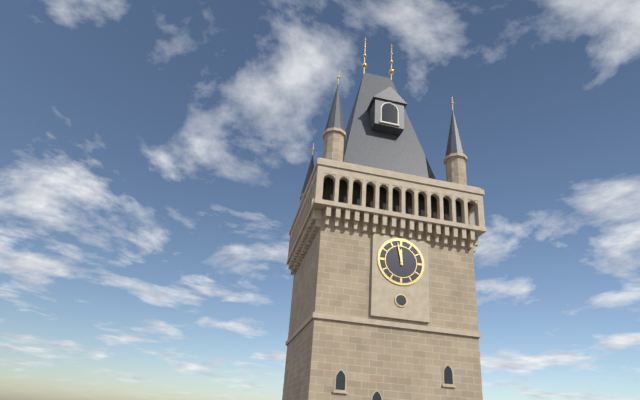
11:58
